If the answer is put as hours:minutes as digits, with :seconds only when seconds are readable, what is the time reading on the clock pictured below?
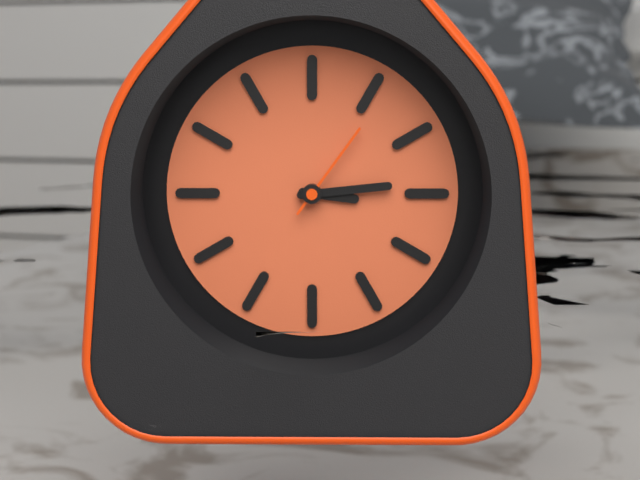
3:14:06
